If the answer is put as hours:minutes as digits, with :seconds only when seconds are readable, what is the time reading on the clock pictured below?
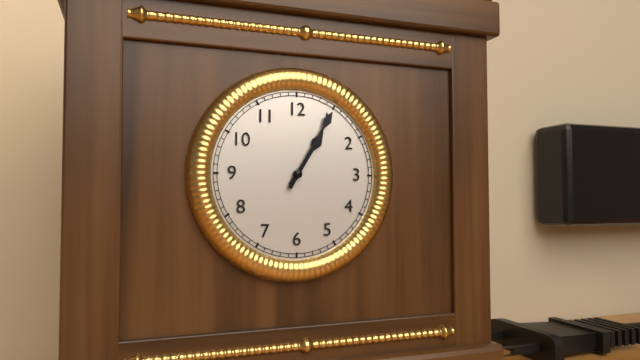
1:05
